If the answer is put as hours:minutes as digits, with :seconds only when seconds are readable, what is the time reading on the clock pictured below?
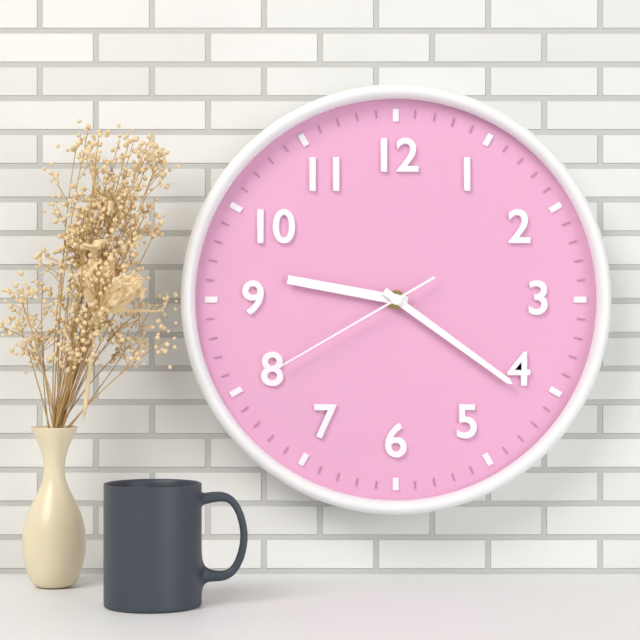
9:21:40
